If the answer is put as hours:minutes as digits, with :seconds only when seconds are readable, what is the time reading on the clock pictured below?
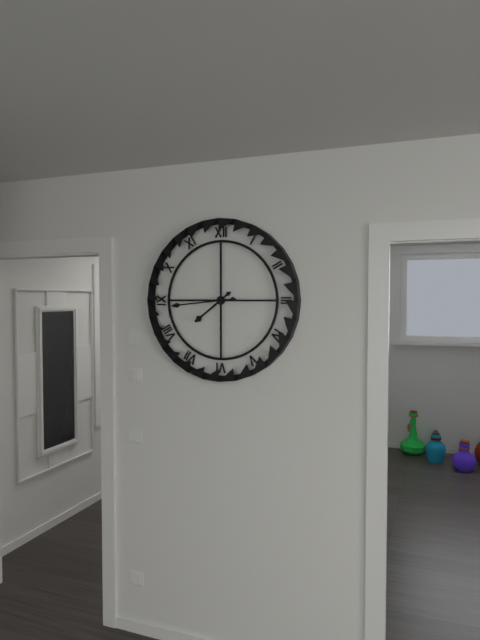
7:44
